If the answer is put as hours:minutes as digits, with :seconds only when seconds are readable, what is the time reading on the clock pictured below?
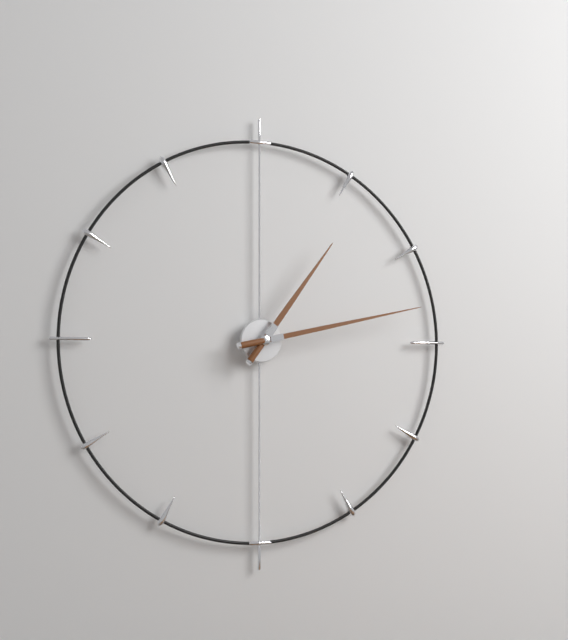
1:13
